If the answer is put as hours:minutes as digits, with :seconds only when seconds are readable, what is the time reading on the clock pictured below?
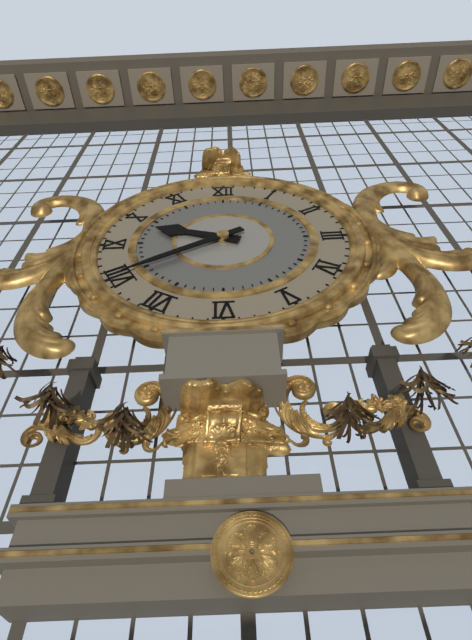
9:40
